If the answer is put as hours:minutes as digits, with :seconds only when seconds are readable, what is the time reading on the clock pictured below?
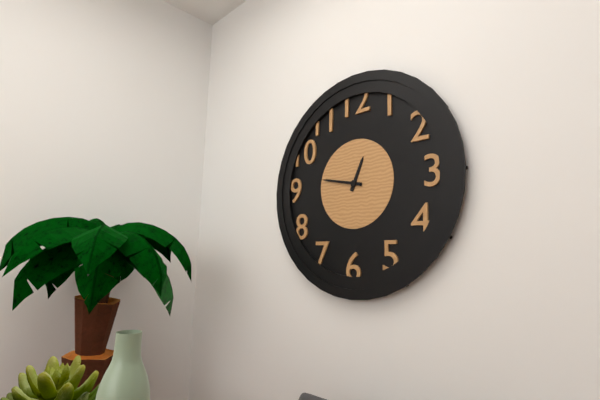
12:47
